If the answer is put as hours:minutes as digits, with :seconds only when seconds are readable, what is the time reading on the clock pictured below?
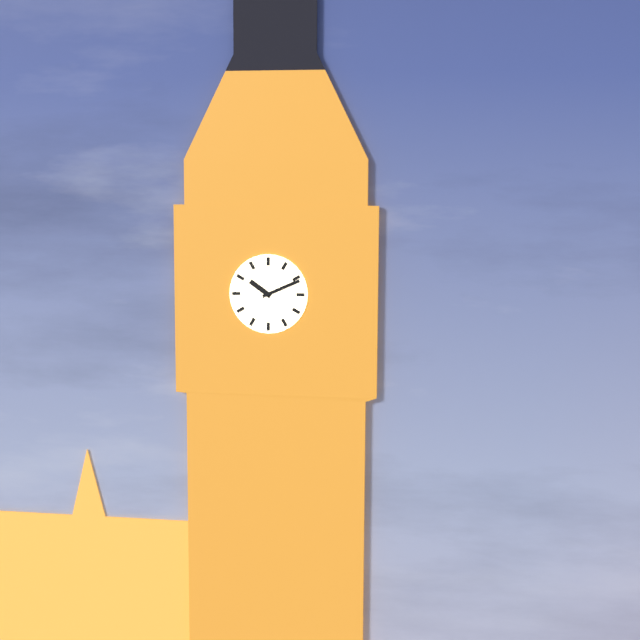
10:11
